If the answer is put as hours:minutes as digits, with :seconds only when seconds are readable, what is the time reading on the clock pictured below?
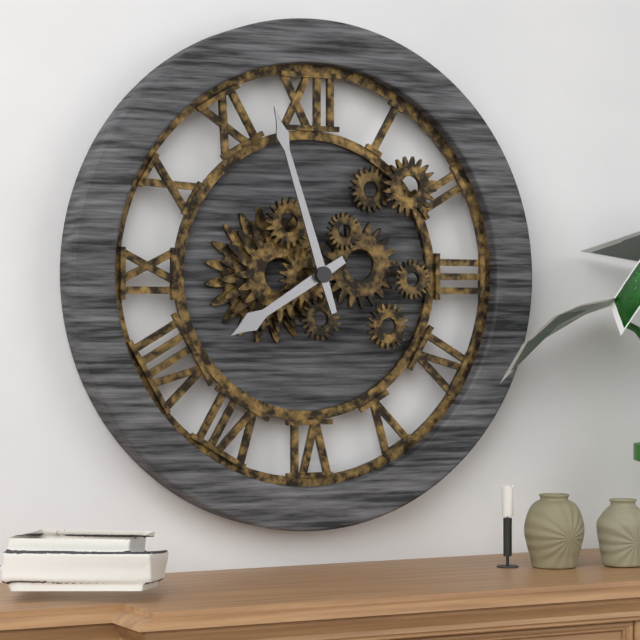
7:57
